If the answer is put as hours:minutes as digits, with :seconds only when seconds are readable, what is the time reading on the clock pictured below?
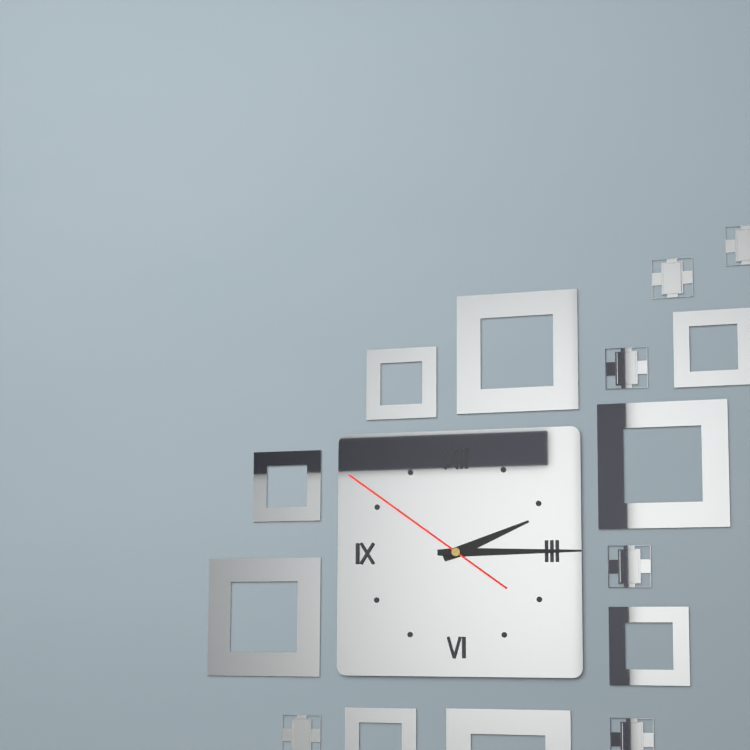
2:15:51
